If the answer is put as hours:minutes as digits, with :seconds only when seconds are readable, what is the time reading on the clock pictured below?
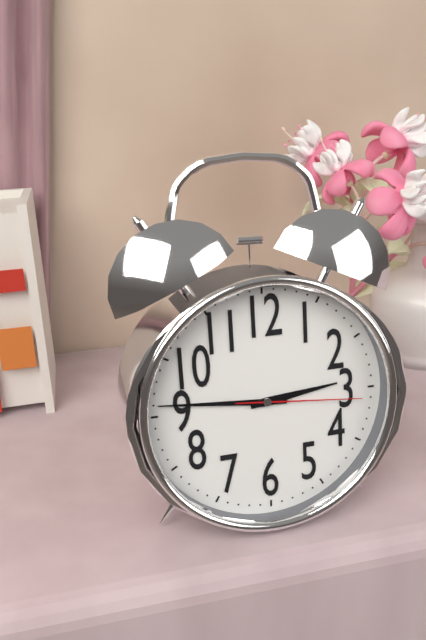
2:46:16
